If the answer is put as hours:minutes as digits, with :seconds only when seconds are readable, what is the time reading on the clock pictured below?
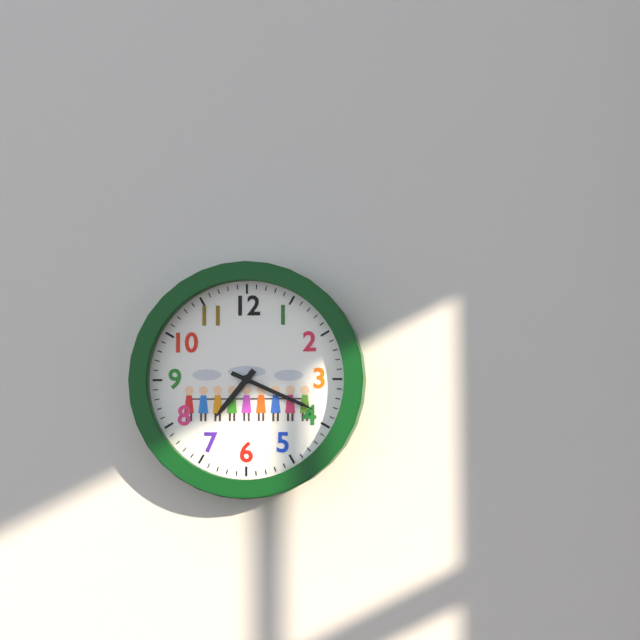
7:19
